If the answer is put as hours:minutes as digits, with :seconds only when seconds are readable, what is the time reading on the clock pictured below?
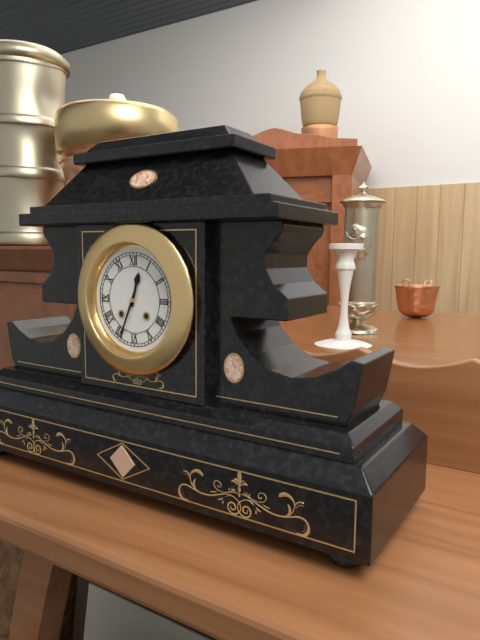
12:34
